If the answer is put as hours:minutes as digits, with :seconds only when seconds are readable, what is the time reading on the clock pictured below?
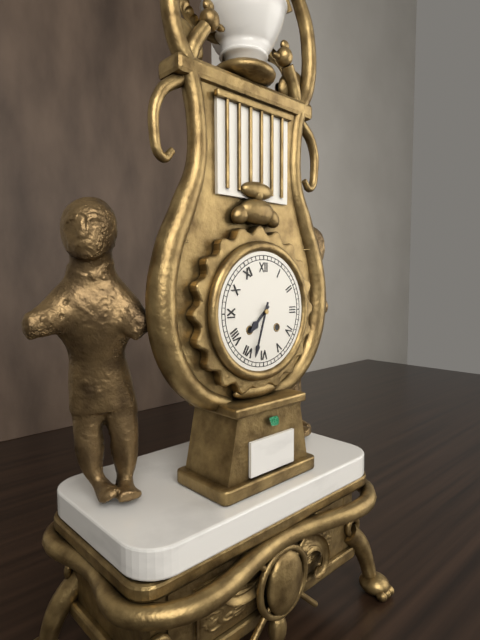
7:33
